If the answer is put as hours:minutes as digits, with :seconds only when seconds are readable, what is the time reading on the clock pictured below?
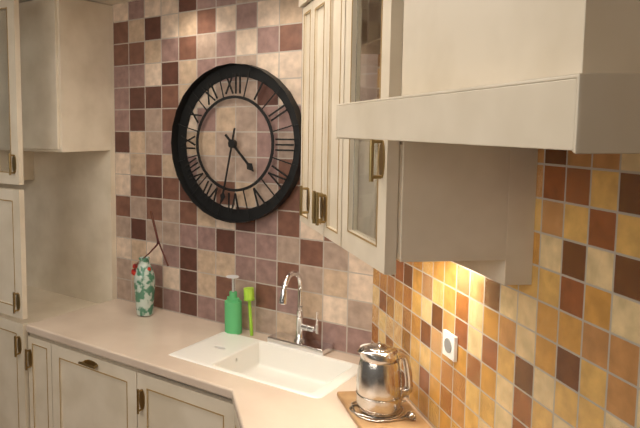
4:32
